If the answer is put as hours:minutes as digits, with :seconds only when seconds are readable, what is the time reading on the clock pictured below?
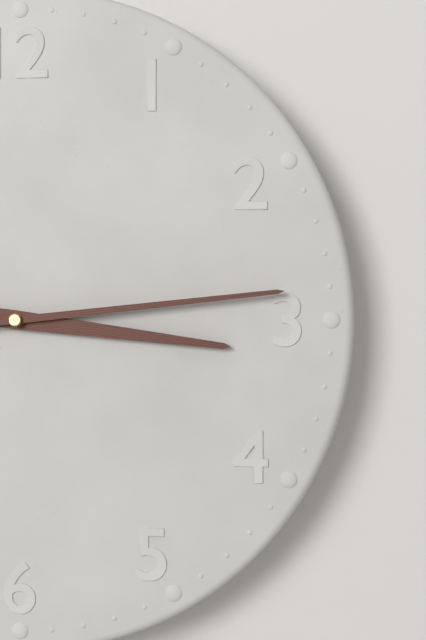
3:14
